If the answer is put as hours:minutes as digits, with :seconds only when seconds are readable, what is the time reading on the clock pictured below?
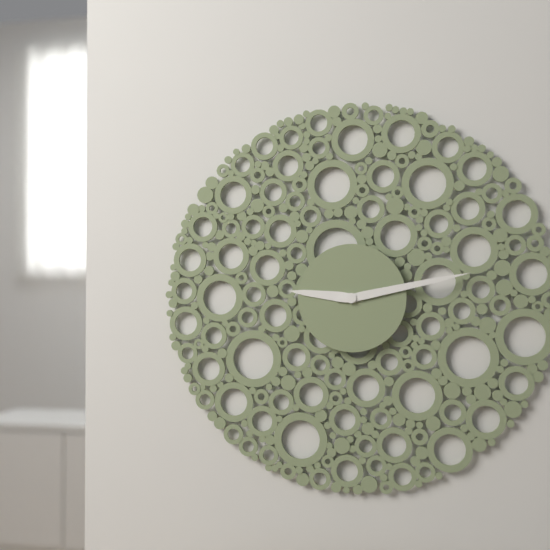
9:13
